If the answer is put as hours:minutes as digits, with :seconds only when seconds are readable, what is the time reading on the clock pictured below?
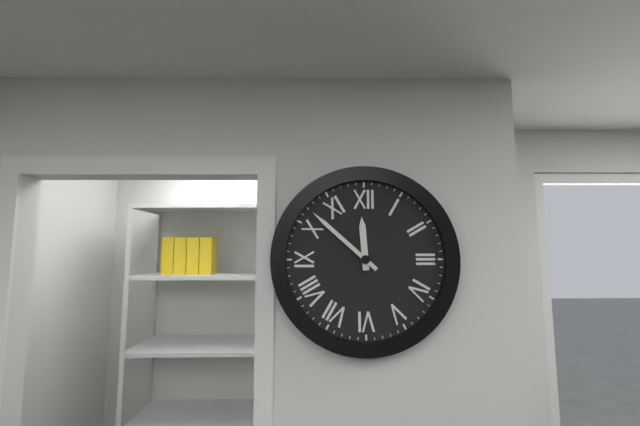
11:52
